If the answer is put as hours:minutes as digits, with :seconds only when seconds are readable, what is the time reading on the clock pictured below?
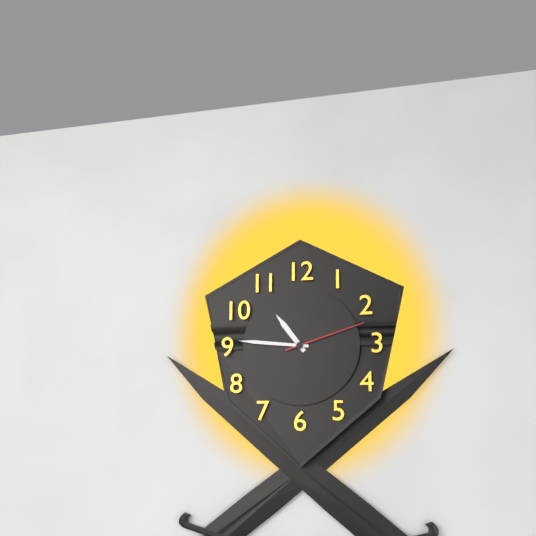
10:46:12
